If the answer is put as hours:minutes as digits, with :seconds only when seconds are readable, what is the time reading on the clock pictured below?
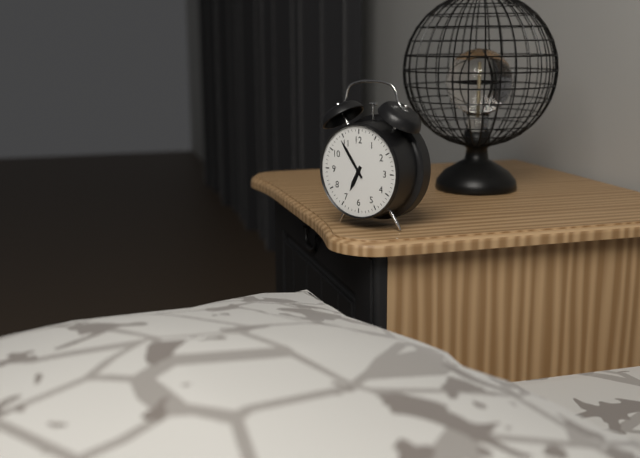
6:54
